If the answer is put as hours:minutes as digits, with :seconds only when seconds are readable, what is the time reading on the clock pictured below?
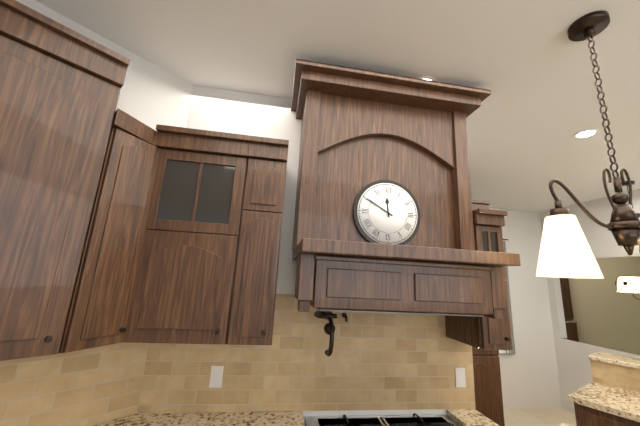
11:50
